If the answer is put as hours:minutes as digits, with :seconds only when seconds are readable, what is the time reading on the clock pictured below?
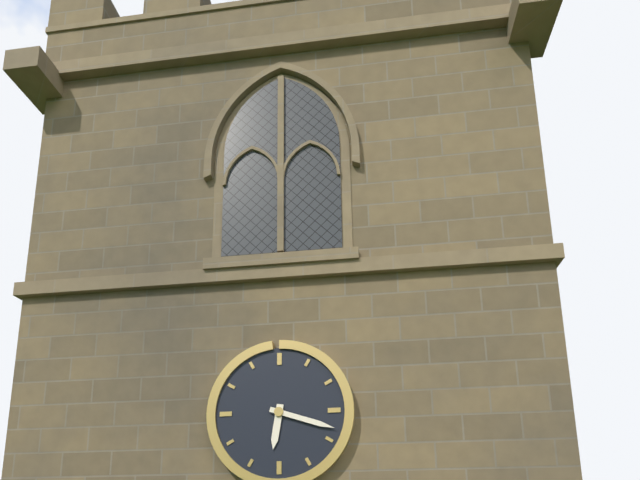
6:18
